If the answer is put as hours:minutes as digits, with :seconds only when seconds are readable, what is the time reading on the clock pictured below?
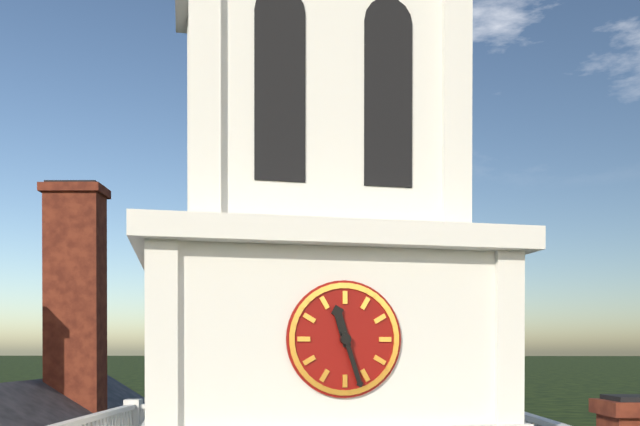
11:27
